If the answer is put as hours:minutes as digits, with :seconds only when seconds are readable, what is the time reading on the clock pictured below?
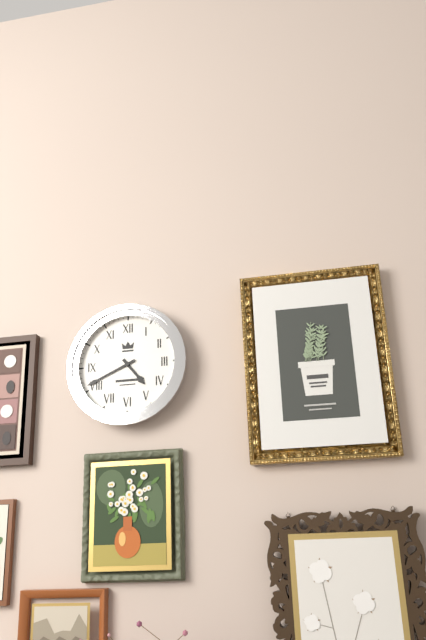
4:41
